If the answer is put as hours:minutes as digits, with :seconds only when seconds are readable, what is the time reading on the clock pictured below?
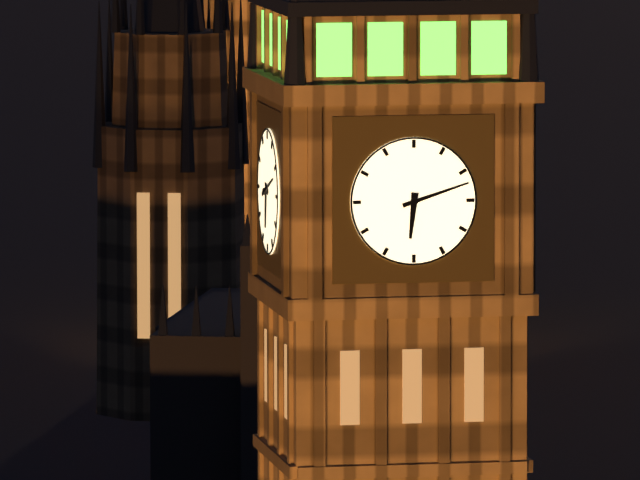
6:12
